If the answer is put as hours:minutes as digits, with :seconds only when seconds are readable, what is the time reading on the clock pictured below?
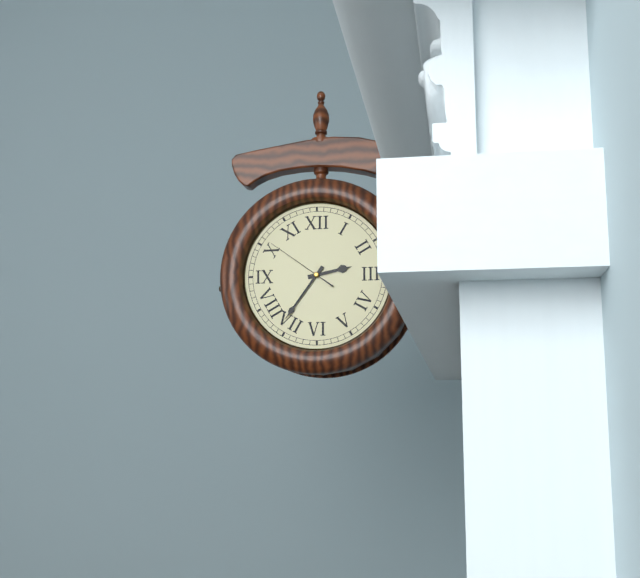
2:36:51
